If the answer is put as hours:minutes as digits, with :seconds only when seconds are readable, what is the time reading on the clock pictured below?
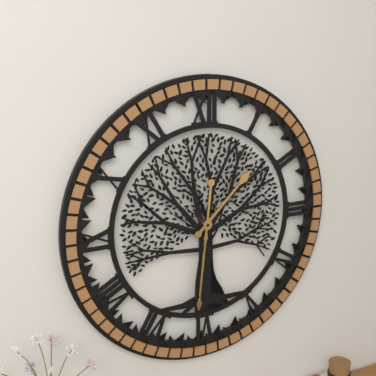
1:31
